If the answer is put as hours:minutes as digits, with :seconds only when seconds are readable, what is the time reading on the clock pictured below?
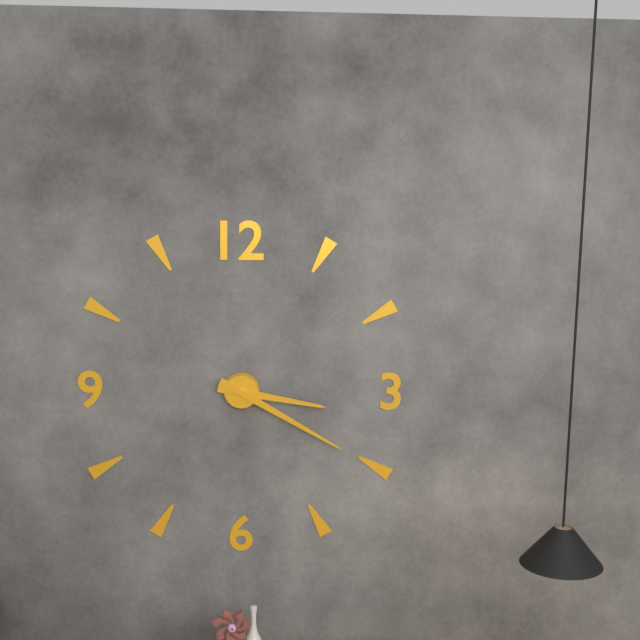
3:20
